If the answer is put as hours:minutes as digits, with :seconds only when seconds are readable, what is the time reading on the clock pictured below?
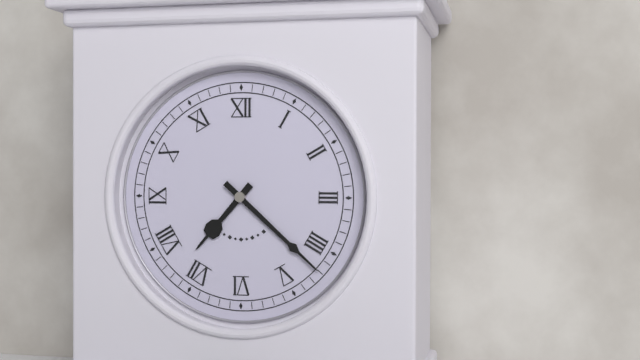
7:22
